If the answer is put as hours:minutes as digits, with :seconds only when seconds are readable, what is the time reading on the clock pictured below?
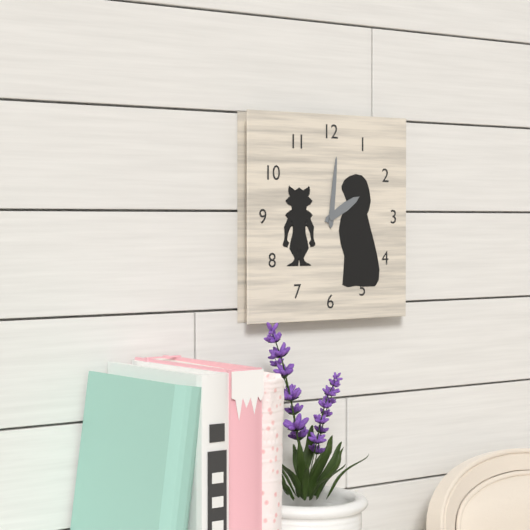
2:01
